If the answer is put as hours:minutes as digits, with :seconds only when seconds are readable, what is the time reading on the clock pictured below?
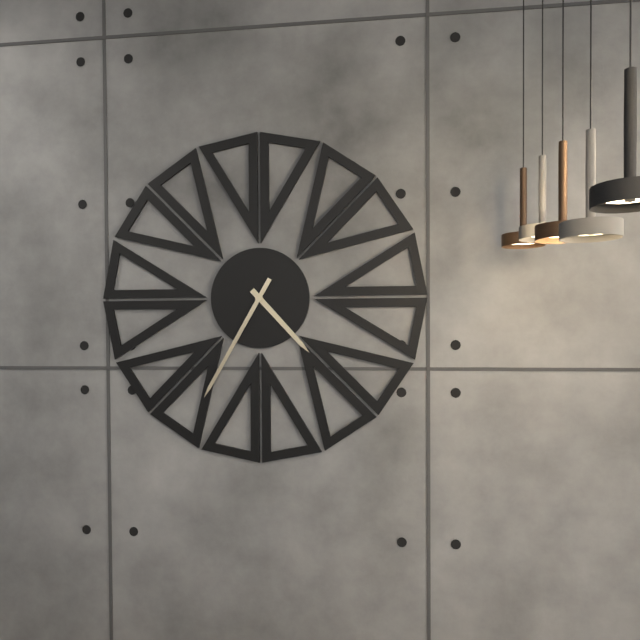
4:35
